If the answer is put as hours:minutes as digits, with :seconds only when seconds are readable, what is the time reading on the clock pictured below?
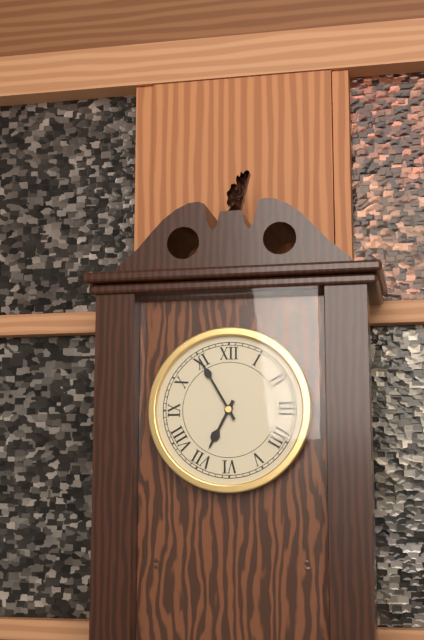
6:55
